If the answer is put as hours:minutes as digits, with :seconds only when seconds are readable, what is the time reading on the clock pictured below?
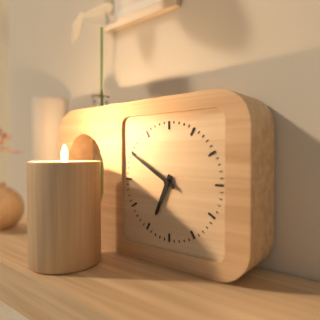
6:50
